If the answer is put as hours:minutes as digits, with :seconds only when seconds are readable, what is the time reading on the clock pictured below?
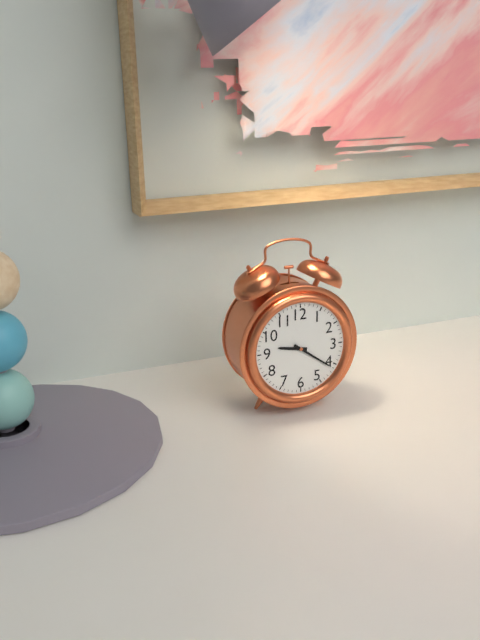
9:21
